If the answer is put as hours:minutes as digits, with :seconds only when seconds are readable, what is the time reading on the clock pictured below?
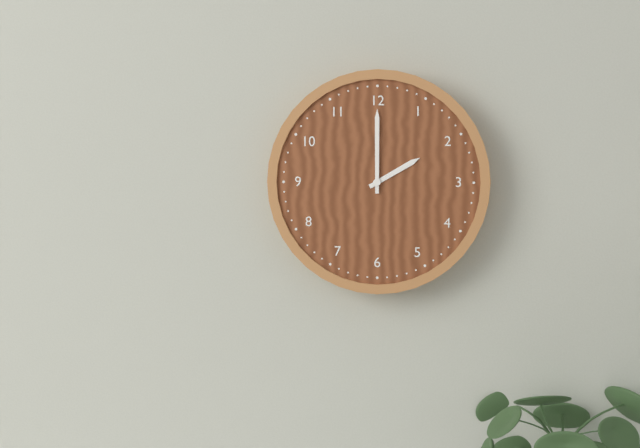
2:00
